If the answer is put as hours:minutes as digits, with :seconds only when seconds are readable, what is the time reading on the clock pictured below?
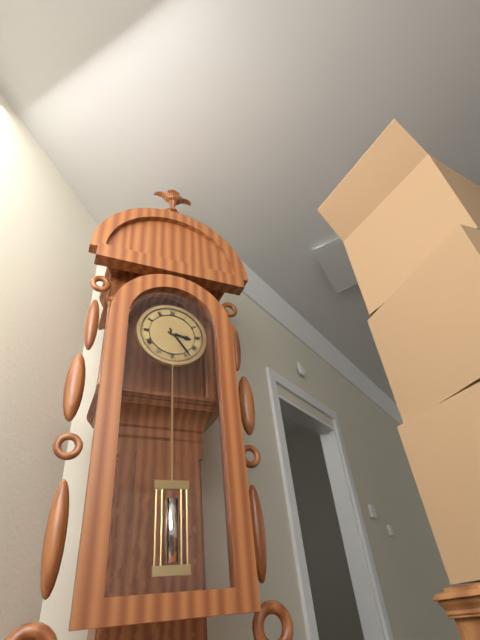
3:24
